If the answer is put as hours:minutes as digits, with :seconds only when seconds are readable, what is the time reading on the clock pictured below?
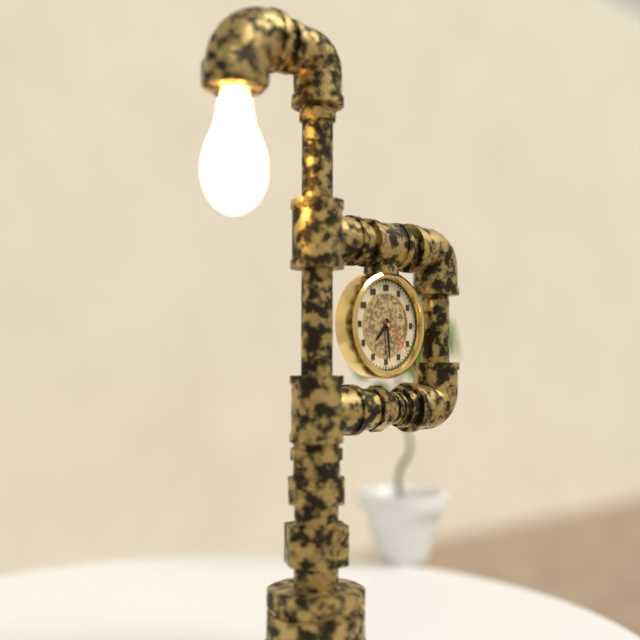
7:29
